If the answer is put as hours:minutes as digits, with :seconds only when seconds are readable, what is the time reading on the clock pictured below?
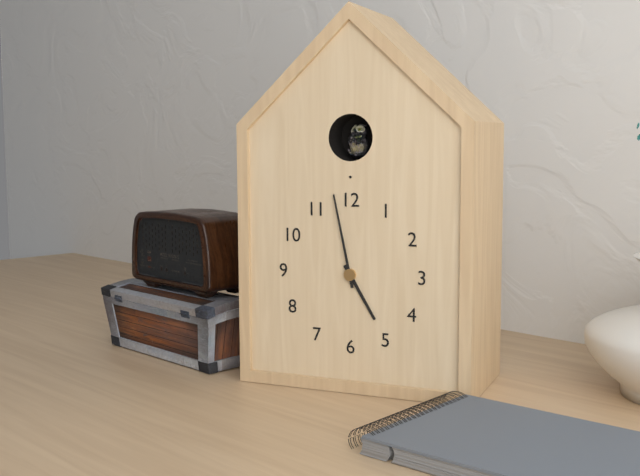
4:58
